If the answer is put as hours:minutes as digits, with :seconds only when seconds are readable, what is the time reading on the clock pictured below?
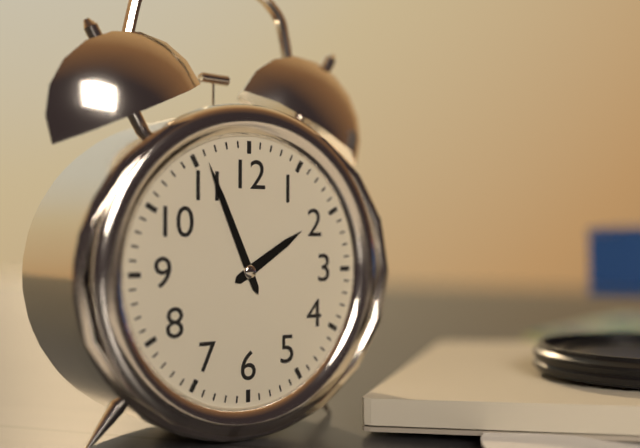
1:56
